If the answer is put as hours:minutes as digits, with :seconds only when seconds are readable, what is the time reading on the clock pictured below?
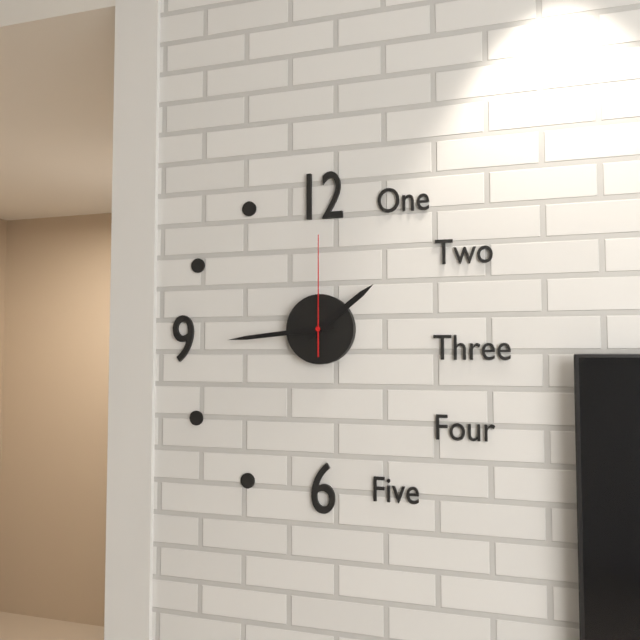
1:44:00
